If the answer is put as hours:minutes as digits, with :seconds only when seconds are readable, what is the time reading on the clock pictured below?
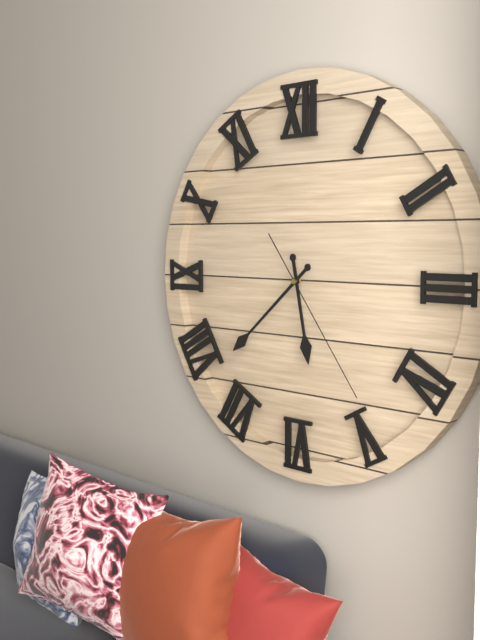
5:38:24
